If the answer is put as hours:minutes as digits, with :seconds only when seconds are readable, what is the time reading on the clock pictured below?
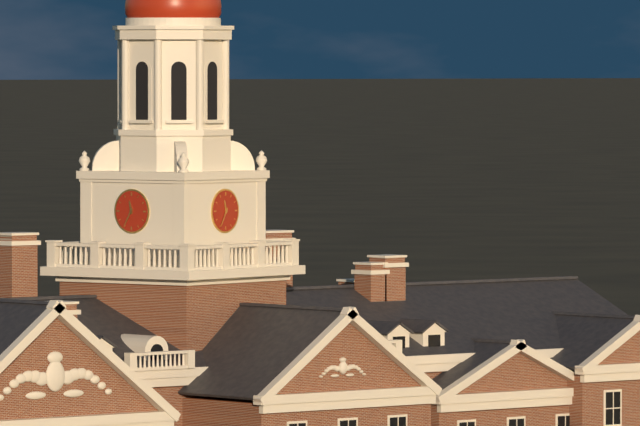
11:35
